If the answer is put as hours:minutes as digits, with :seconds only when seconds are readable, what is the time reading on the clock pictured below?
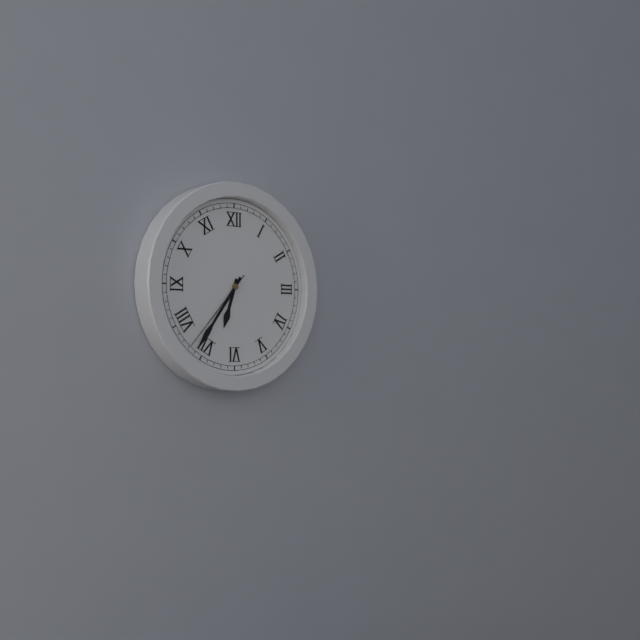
6:36:37
